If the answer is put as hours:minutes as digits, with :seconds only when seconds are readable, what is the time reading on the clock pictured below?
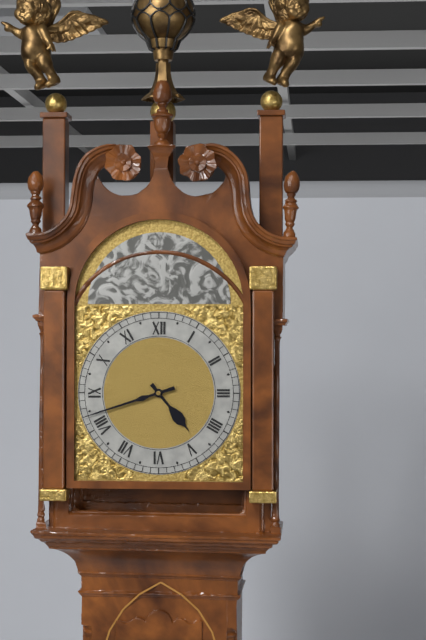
4:42
